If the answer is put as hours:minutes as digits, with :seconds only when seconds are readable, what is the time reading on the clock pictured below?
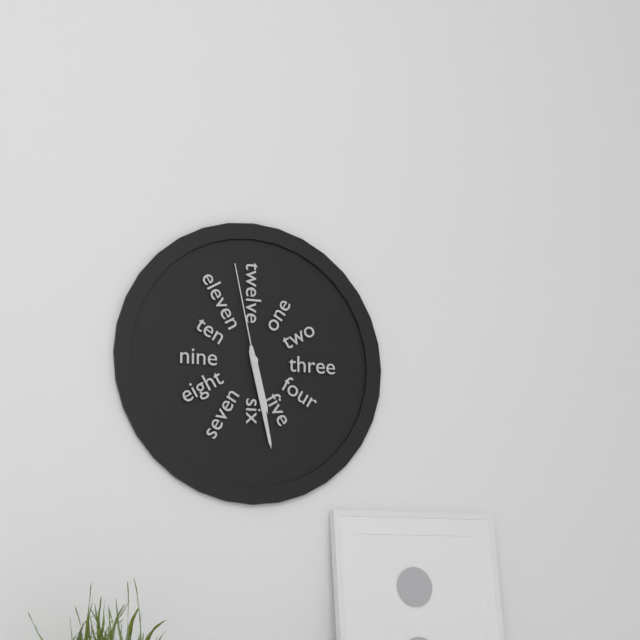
5:28:58
